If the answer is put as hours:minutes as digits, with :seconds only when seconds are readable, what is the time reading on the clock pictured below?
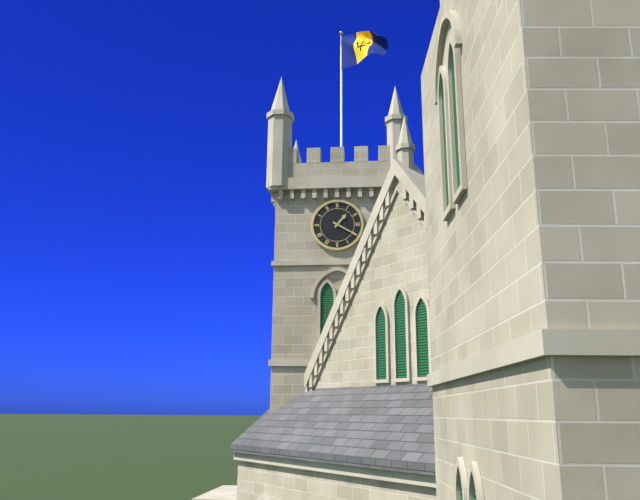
1:20
